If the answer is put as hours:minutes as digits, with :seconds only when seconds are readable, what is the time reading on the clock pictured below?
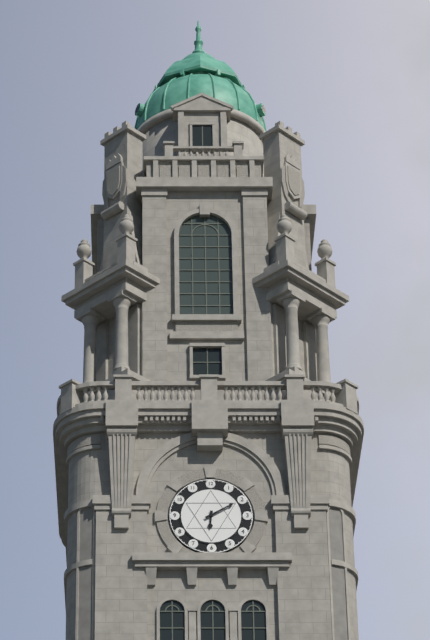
6:10
